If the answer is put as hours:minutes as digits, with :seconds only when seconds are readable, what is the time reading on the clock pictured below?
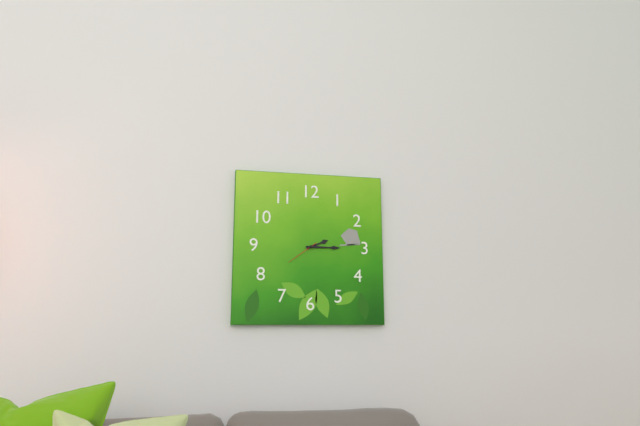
2:15
